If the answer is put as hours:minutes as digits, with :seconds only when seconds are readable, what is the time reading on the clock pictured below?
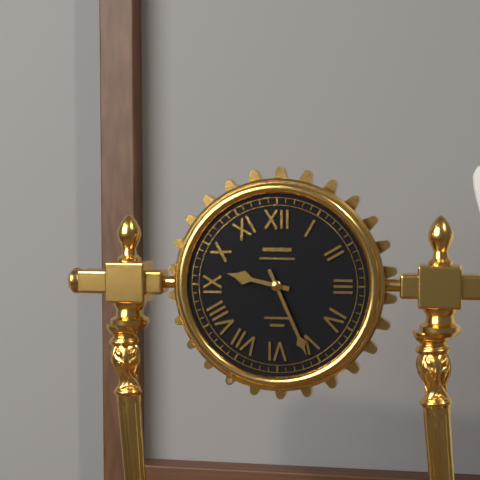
9:26
